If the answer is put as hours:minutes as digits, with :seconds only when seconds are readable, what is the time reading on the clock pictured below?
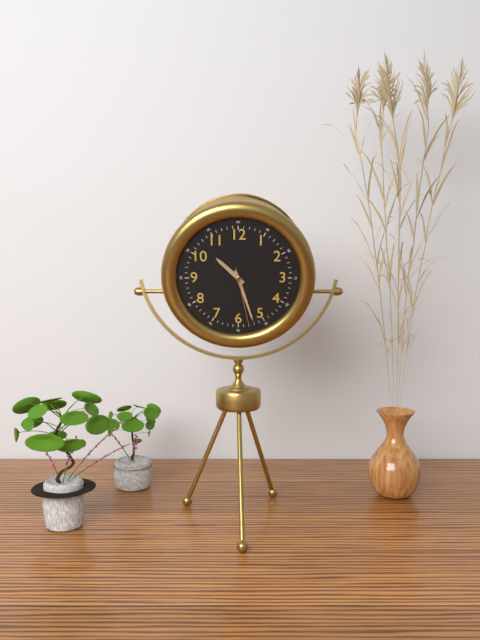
10:27:28
